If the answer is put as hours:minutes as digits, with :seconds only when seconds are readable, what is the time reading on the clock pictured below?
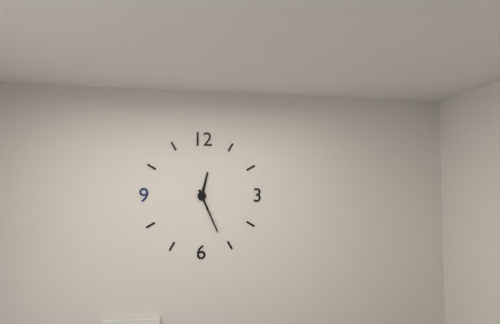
12:26
